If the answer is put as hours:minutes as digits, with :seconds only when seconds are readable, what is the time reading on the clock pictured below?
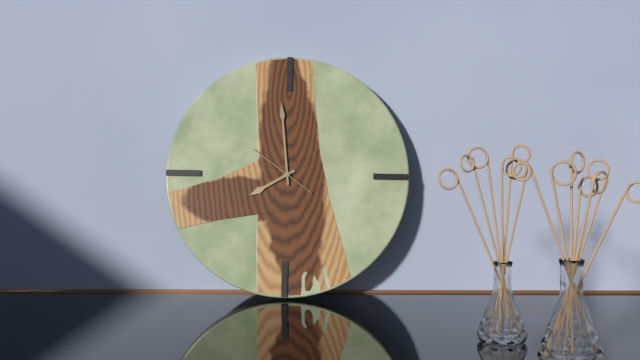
7:59:51
